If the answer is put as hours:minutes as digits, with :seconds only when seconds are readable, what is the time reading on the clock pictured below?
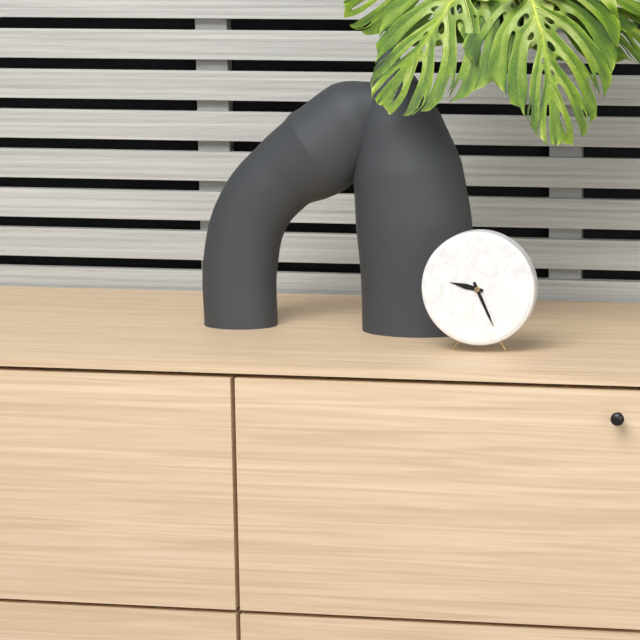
9:26
